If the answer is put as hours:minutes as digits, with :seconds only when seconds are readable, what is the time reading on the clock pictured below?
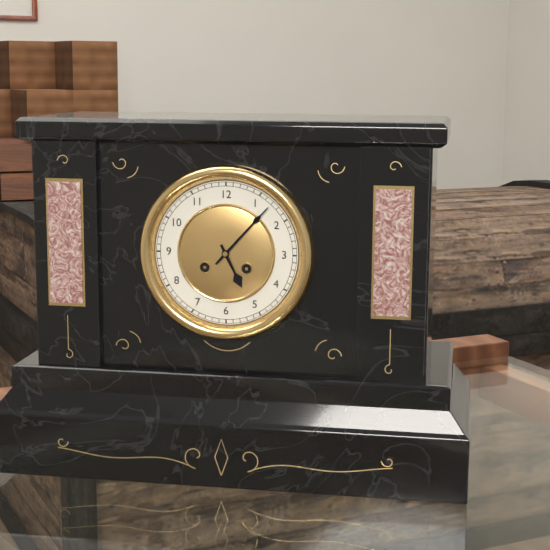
5:07
